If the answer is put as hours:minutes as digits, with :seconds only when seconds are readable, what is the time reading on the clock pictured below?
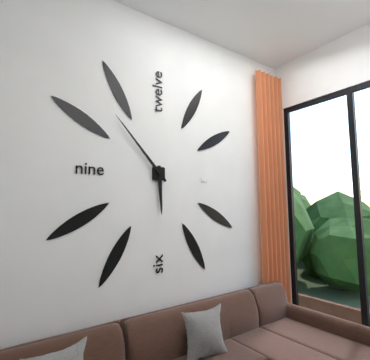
5:53
